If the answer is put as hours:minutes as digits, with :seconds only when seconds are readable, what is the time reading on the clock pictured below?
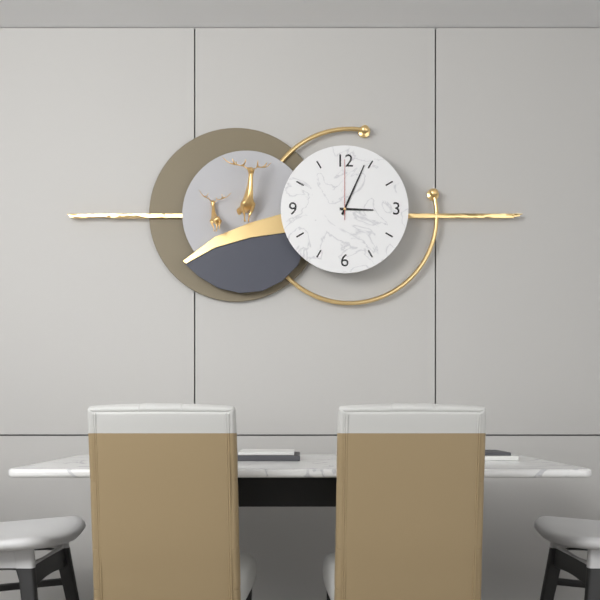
3:04:00
